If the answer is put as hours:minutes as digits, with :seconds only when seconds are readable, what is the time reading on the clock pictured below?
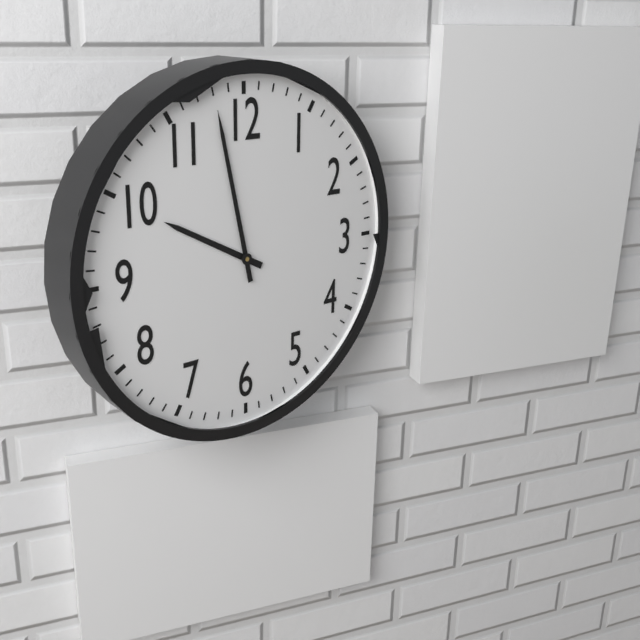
9:58
